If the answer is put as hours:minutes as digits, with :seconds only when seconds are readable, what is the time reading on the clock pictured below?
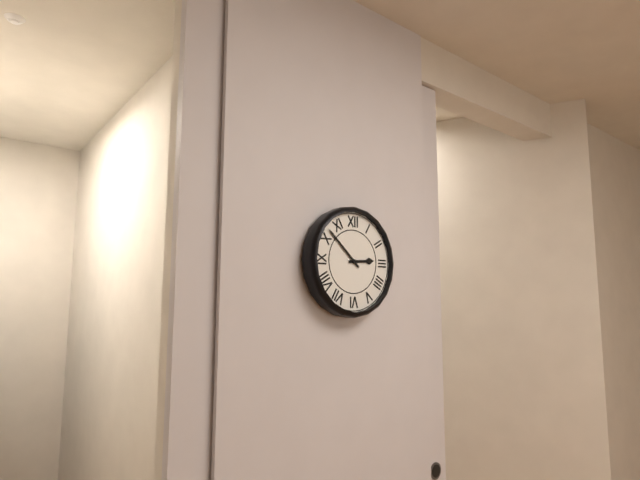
2:52
